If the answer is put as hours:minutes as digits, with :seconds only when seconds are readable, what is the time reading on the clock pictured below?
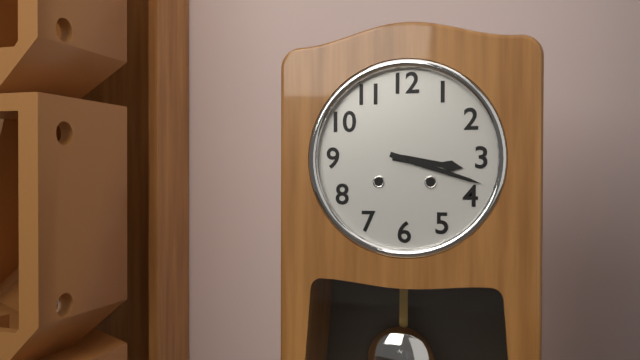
3:18
